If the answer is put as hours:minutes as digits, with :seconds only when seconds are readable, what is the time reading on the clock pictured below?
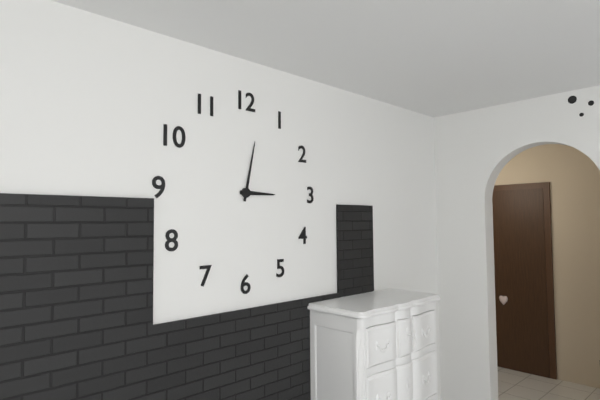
3:02
